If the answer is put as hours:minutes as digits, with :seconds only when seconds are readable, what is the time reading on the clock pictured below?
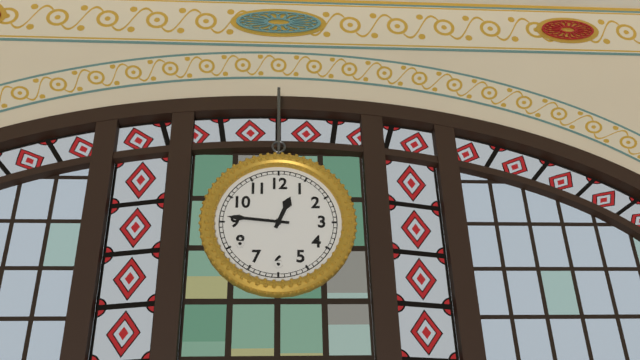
12:46
